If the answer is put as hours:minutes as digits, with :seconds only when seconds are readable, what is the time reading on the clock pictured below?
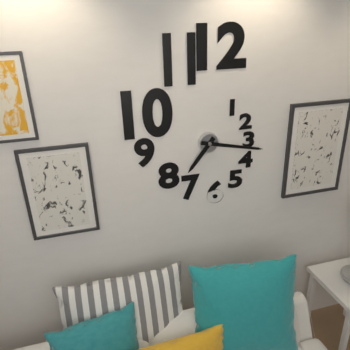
7:17
